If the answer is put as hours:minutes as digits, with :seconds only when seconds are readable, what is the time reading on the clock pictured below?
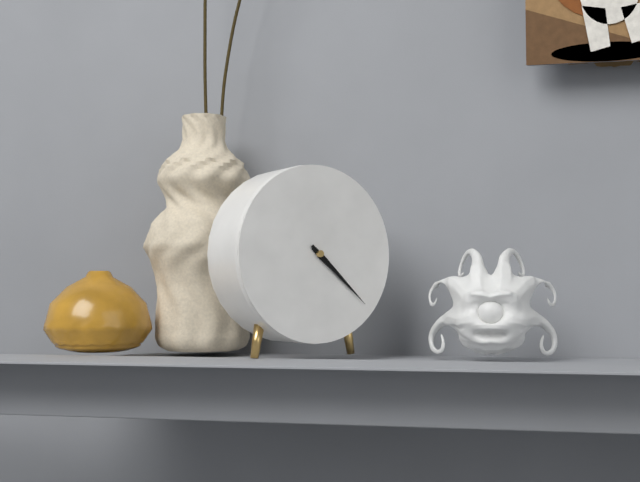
4:22
